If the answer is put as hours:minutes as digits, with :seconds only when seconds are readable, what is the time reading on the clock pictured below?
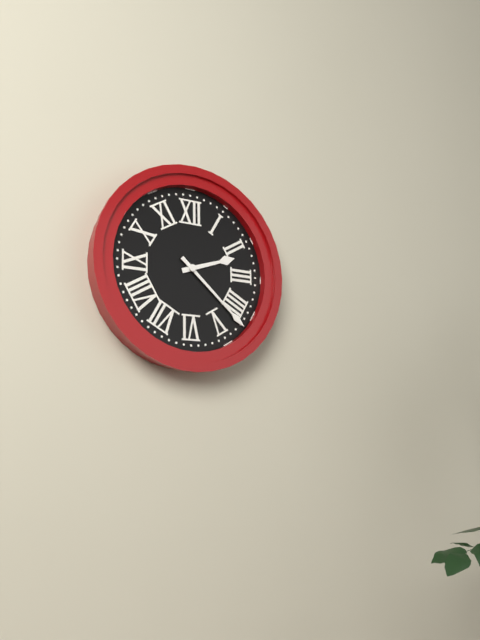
2:22
